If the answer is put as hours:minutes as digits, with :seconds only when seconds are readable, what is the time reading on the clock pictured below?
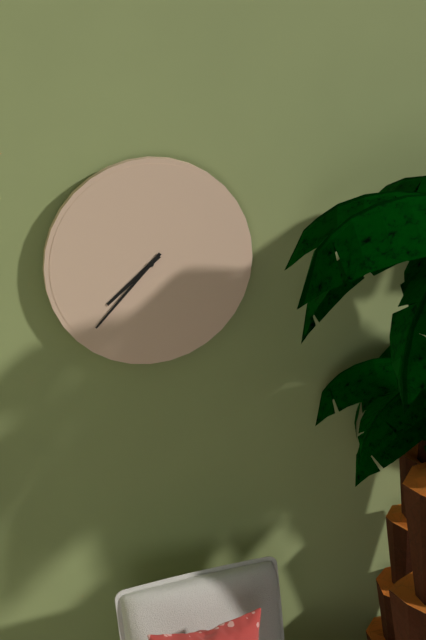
7:37
